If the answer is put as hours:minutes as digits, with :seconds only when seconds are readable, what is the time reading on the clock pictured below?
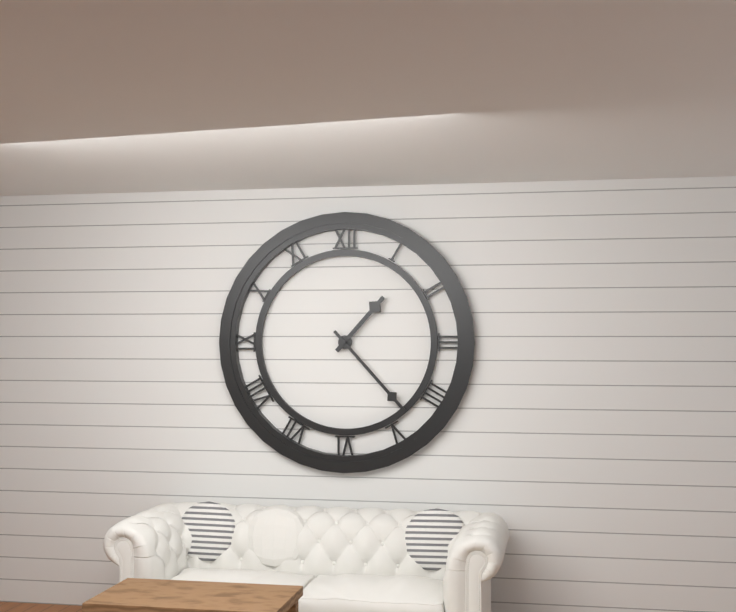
1:23
